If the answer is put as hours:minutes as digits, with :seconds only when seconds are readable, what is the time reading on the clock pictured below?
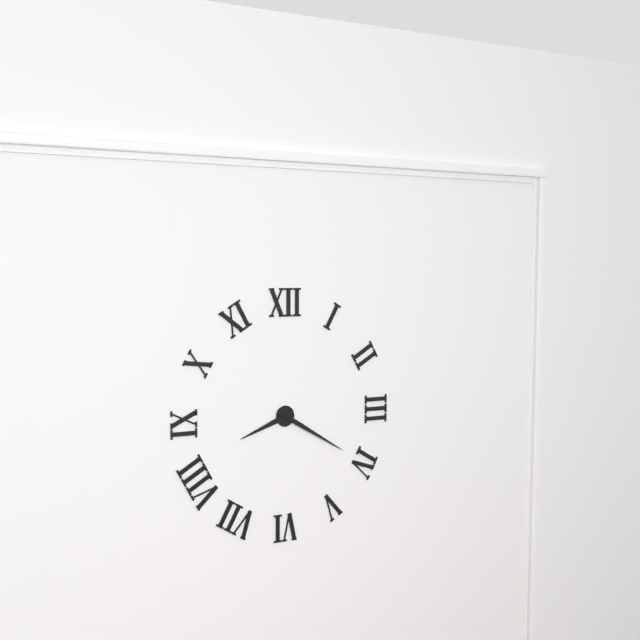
8:20
